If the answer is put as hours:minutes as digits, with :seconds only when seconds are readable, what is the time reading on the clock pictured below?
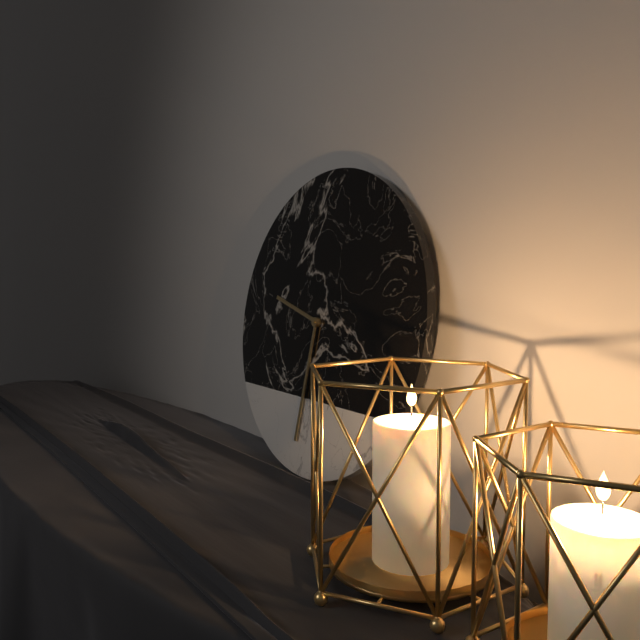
9:31
